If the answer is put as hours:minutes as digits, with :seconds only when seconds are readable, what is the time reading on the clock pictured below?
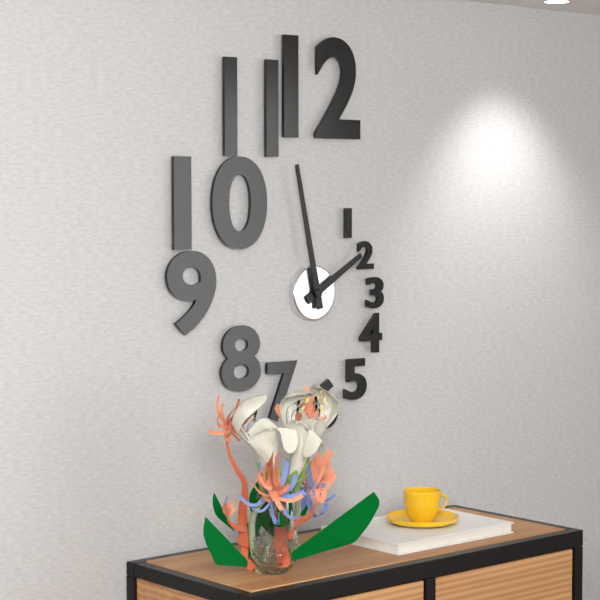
1:58
